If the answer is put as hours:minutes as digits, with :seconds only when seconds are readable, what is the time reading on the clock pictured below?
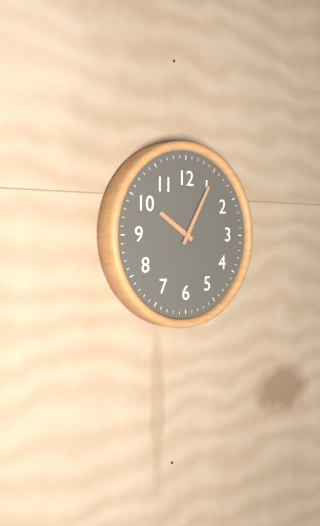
10:05
